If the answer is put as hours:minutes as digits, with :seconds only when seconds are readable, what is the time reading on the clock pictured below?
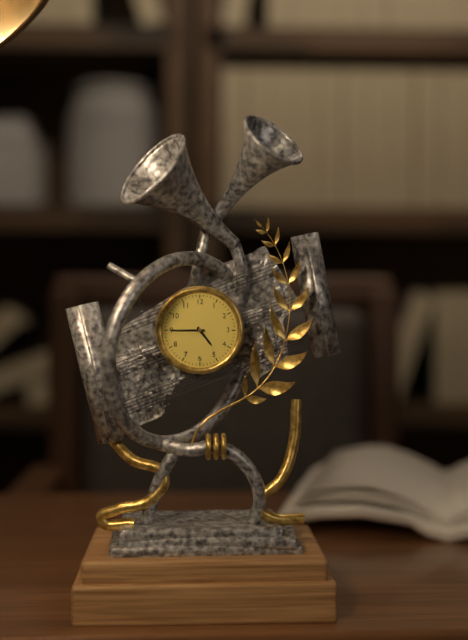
4:45
